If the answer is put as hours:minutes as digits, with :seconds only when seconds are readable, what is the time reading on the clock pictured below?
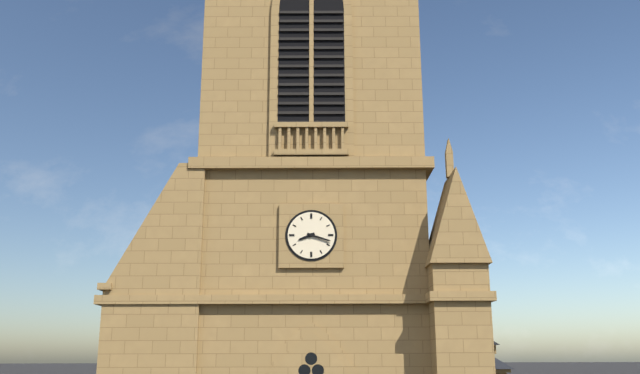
8:18
